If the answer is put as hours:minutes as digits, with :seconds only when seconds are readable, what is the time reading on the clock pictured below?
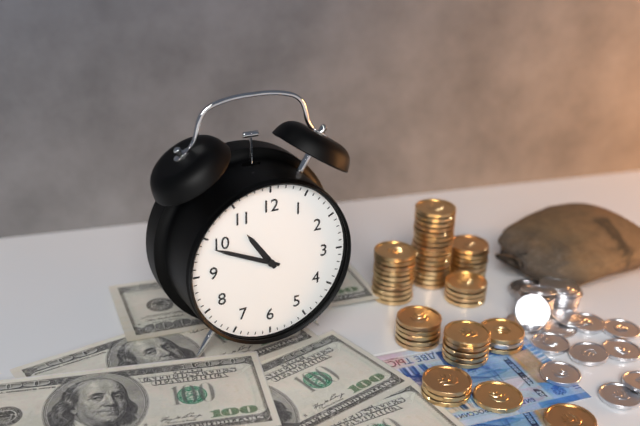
10:49
